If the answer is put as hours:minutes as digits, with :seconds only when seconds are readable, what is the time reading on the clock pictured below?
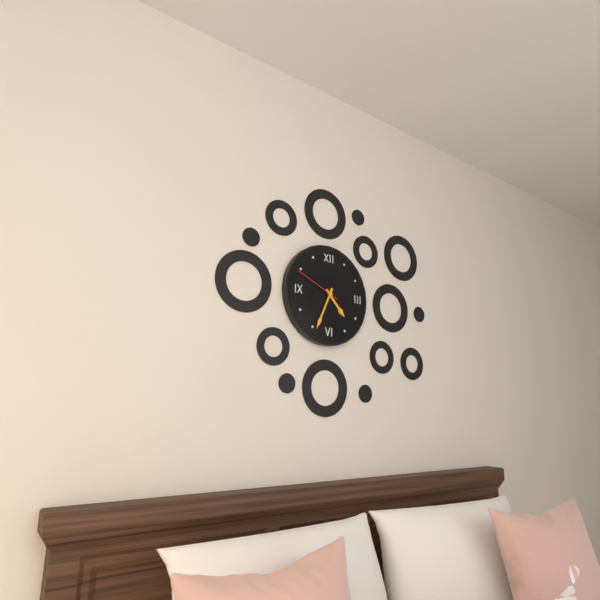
4:34
